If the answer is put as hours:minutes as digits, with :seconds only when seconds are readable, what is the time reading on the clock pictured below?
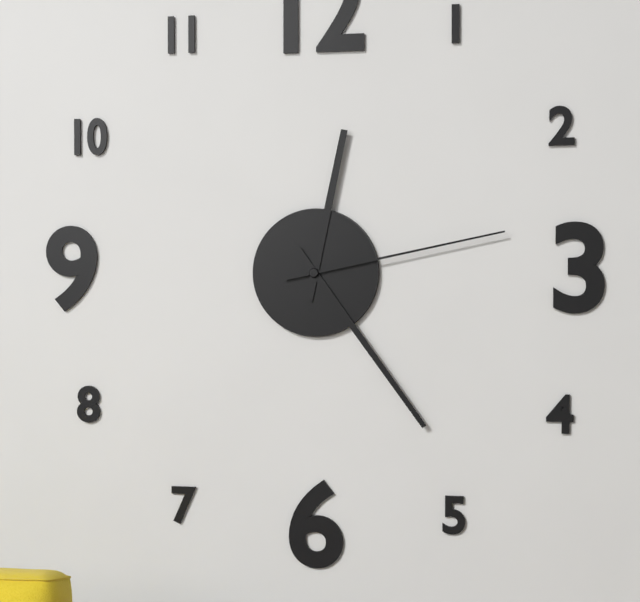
12:24:13
